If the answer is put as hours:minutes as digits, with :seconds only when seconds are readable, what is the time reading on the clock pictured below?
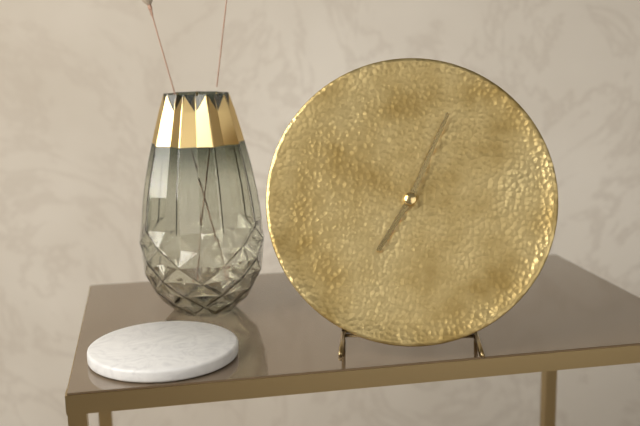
7:04
